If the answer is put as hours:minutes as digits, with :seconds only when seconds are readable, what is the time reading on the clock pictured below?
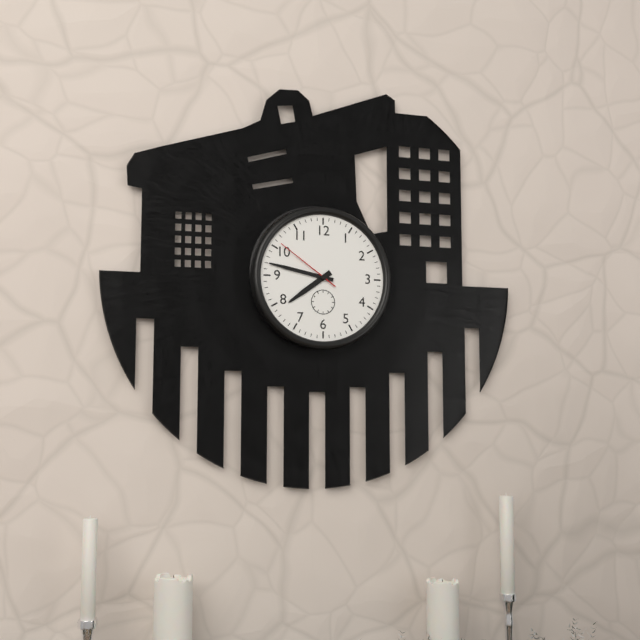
7:47:51
